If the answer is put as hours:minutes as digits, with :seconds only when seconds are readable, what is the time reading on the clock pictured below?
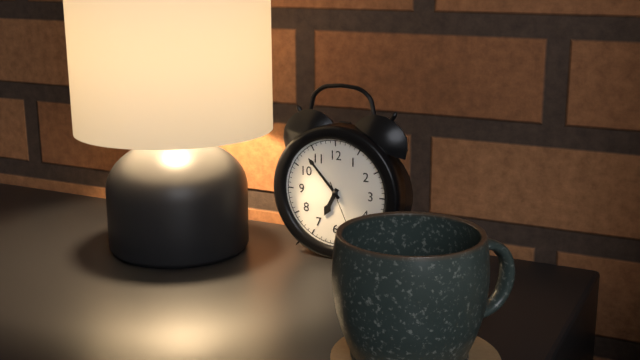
6:53
